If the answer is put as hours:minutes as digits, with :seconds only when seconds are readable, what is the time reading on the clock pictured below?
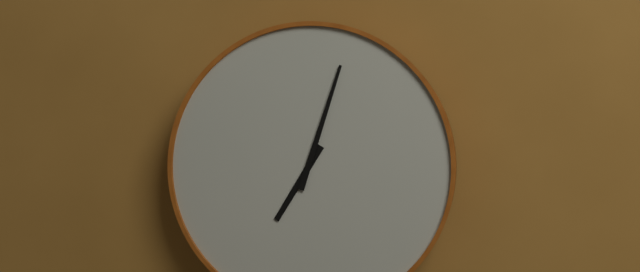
7:03
